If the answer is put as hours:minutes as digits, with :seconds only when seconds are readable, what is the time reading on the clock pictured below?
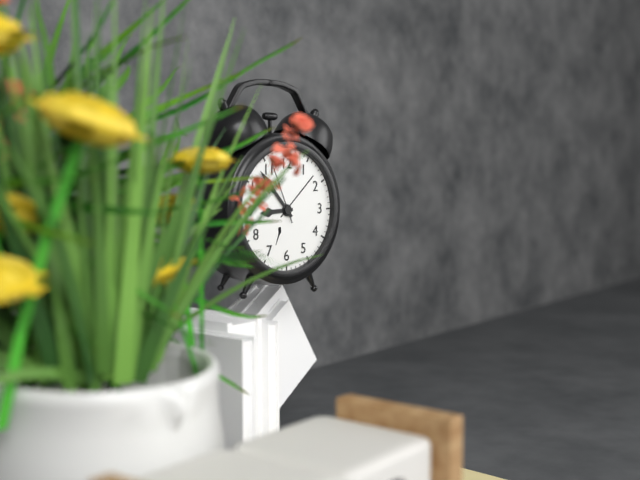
8:53:56
